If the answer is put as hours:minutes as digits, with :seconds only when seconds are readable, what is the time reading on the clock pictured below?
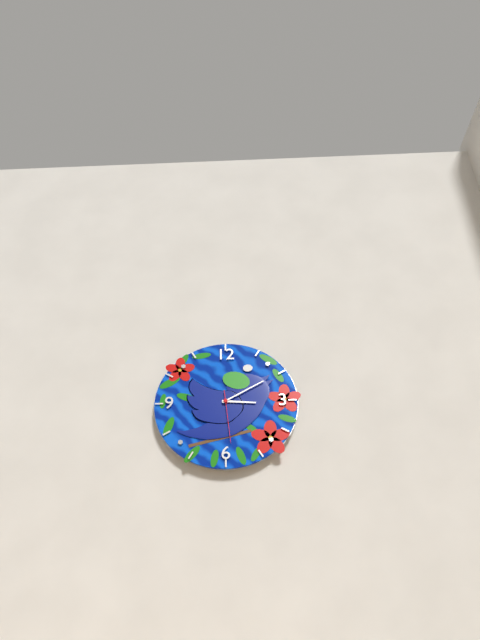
3:10:29
